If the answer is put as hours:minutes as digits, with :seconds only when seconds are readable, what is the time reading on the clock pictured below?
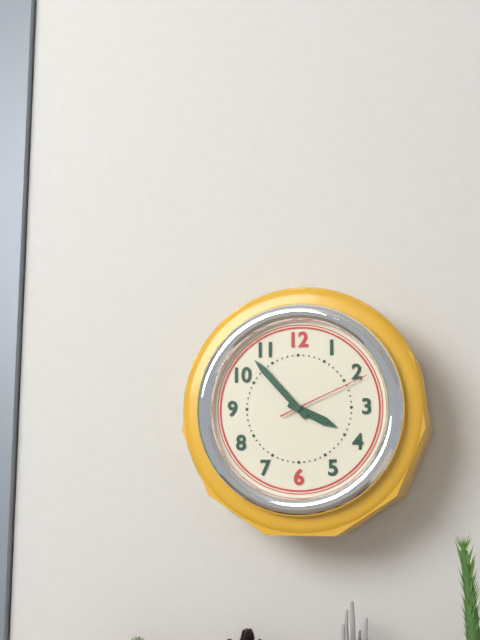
3:53:11
